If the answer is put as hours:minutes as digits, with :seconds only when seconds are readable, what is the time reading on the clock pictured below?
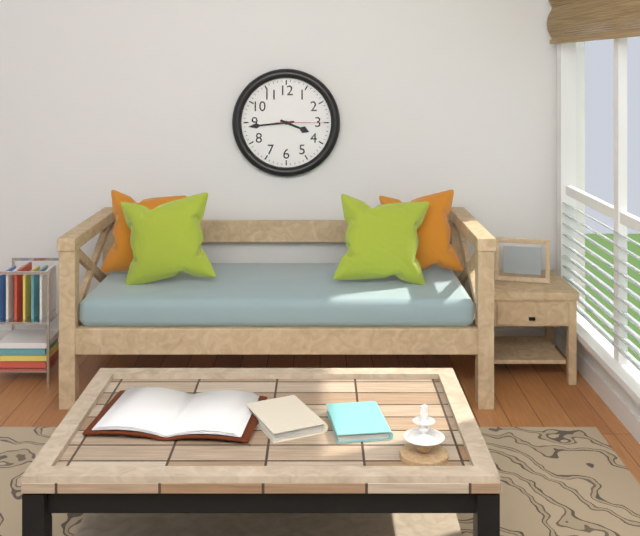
3:44:15
